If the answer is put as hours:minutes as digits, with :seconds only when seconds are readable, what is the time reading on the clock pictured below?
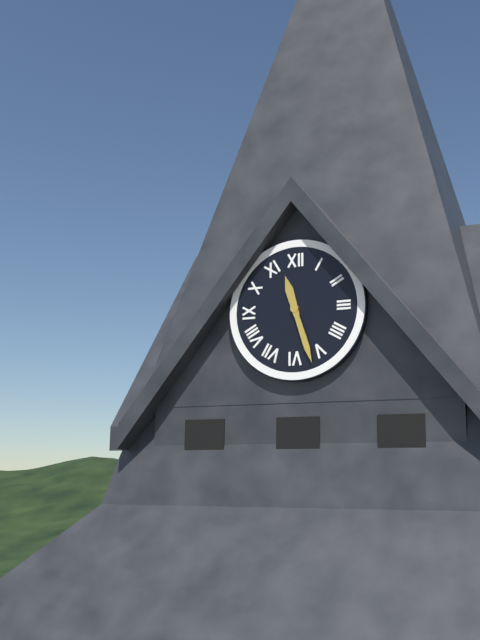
11:27
